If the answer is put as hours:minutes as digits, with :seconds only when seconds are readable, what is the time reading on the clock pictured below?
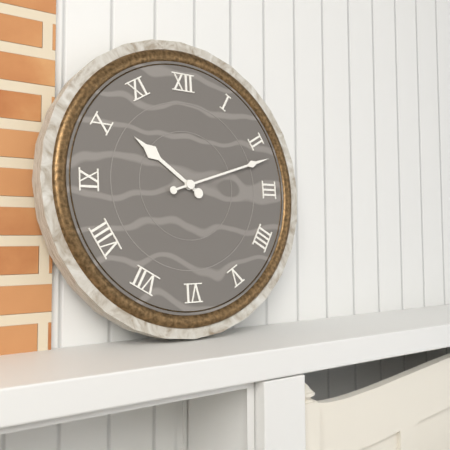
10:12
